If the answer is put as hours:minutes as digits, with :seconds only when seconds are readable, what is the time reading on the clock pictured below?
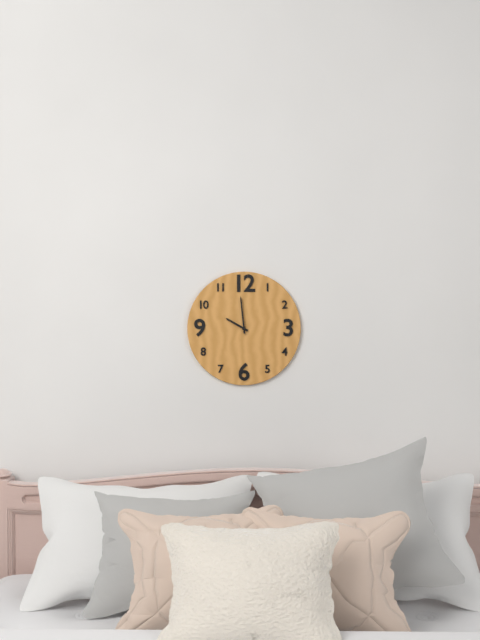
9:59
